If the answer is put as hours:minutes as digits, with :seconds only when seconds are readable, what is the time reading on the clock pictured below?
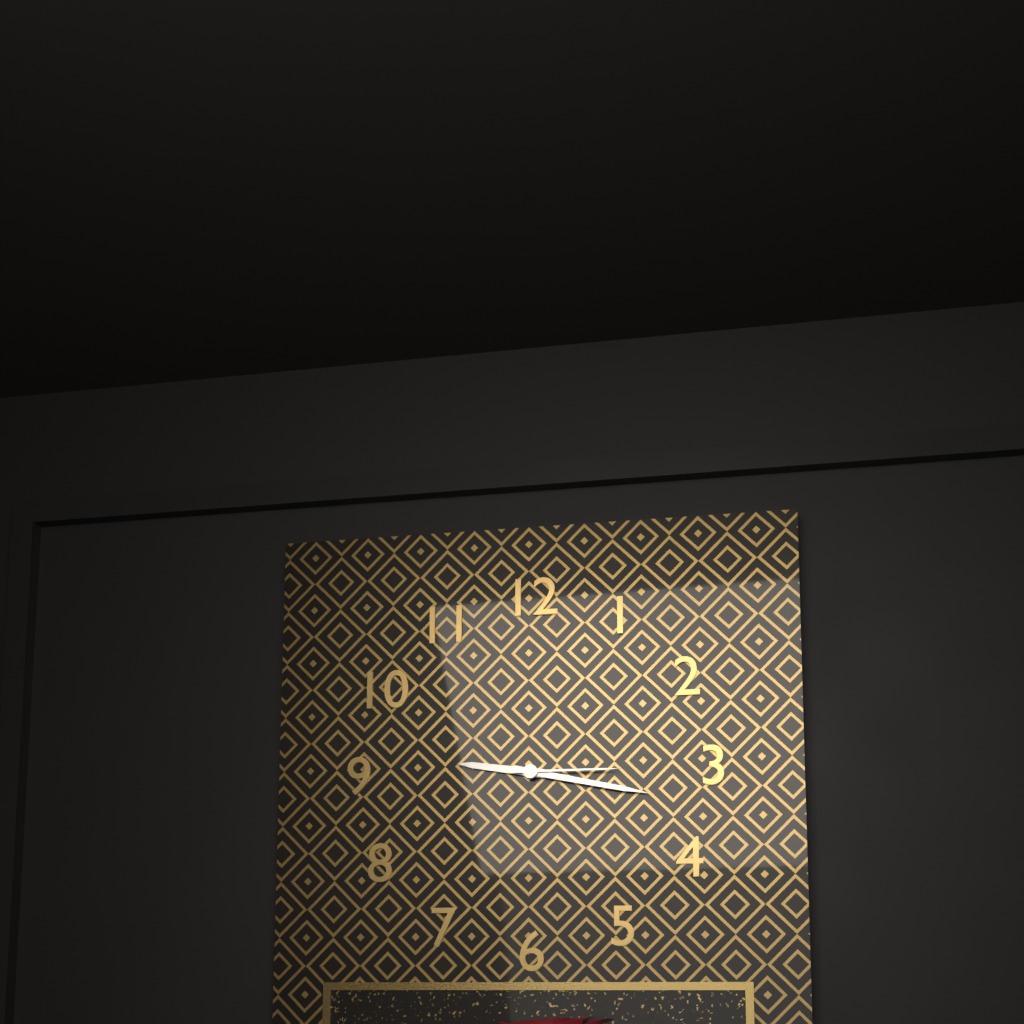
9:17:15
